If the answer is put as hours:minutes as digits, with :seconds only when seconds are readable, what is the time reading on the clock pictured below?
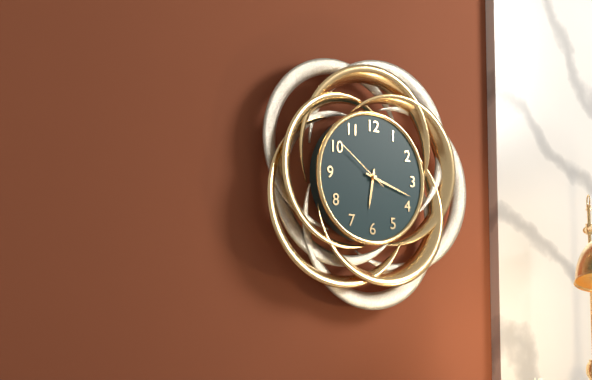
6:18:51
